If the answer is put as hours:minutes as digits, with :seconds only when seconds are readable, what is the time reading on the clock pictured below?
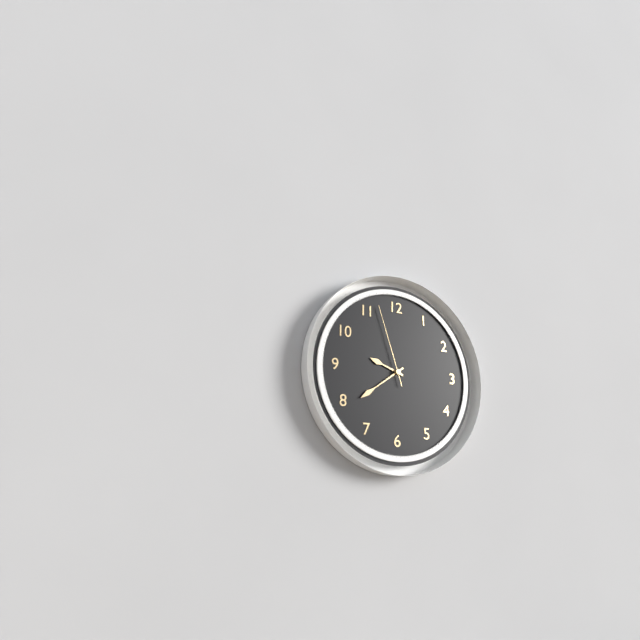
9:39:57
